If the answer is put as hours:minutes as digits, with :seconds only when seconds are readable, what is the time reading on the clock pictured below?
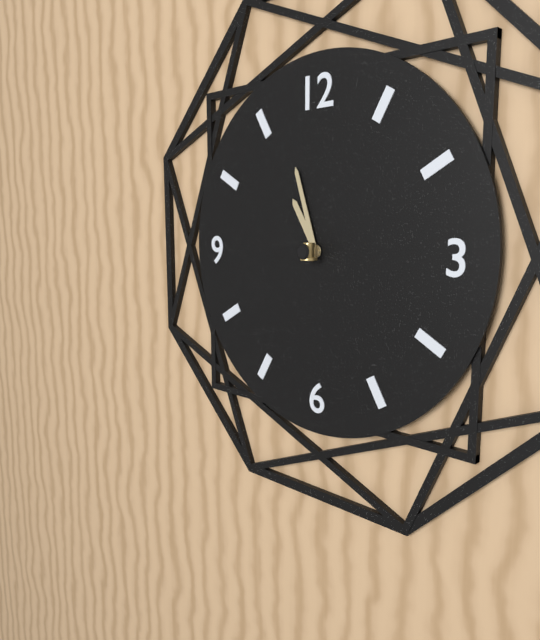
10:57
